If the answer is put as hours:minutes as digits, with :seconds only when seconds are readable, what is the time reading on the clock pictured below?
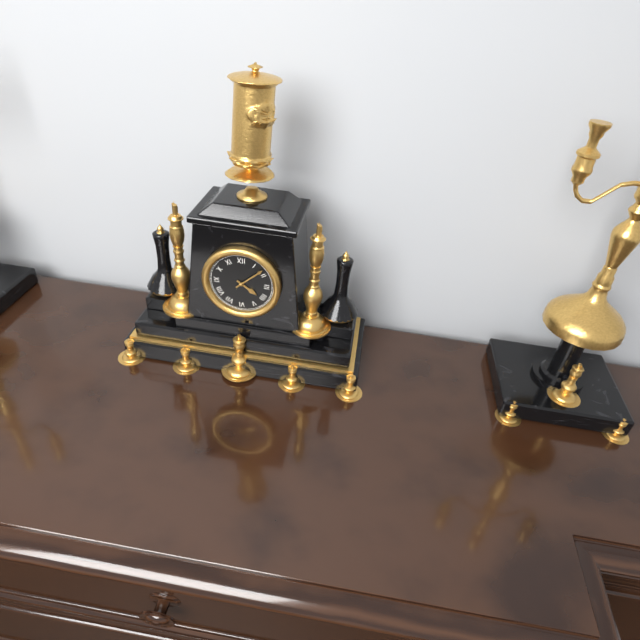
4:08
